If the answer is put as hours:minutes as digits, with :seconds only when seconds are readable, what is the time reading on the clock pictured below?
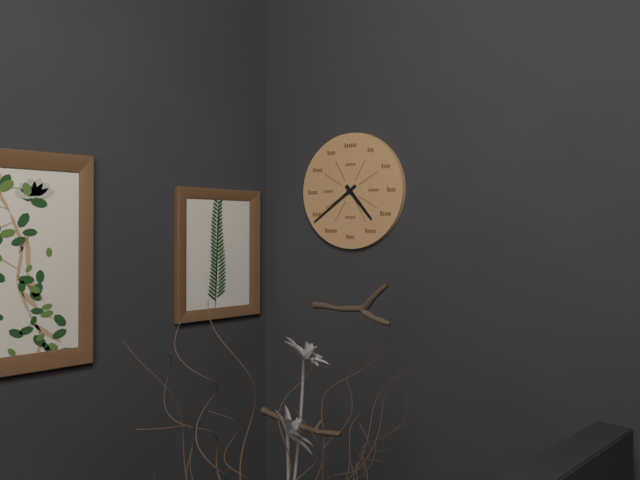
4:39
